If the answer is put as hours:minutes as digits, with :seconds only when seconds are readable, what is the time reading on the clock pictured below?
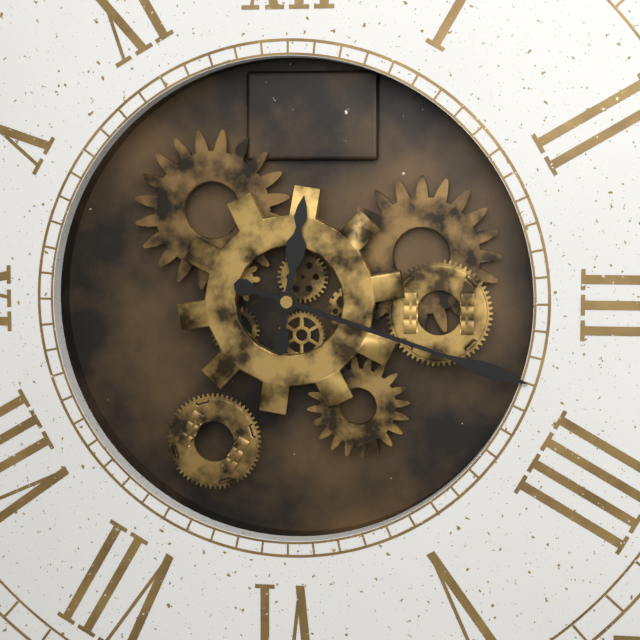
12:18
